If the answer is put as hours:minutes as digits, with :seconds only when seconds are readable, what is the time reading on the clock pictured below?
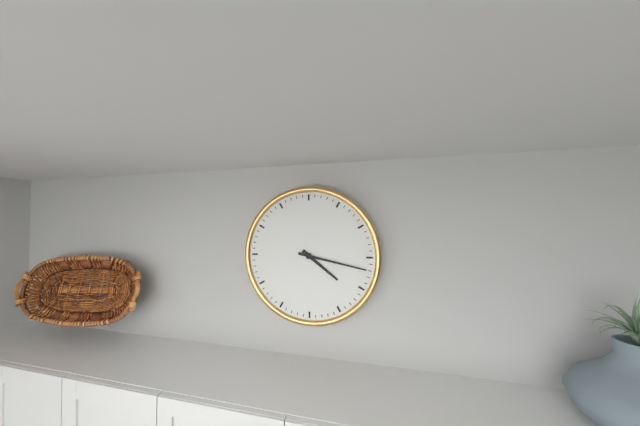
4:17
